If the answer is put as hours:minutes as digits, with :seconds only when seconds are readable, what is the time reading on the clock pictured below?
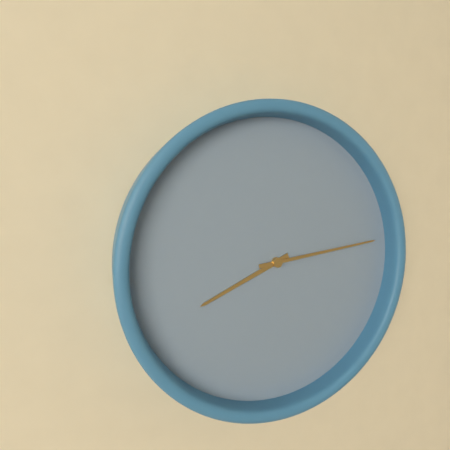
8:14
